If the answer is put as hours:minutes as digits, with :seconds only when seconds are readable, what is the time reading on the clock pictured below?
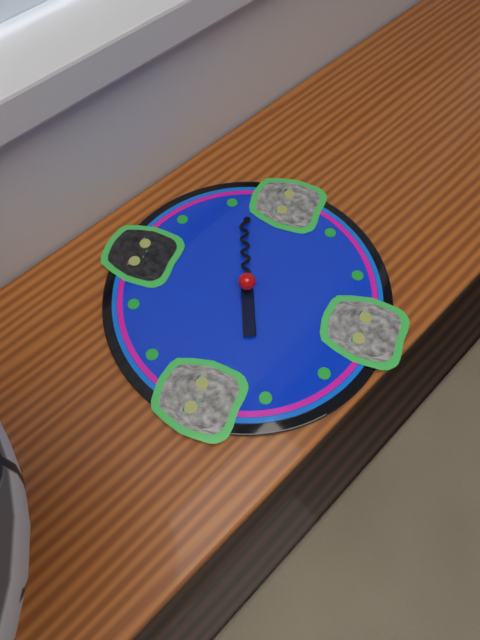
8:11
